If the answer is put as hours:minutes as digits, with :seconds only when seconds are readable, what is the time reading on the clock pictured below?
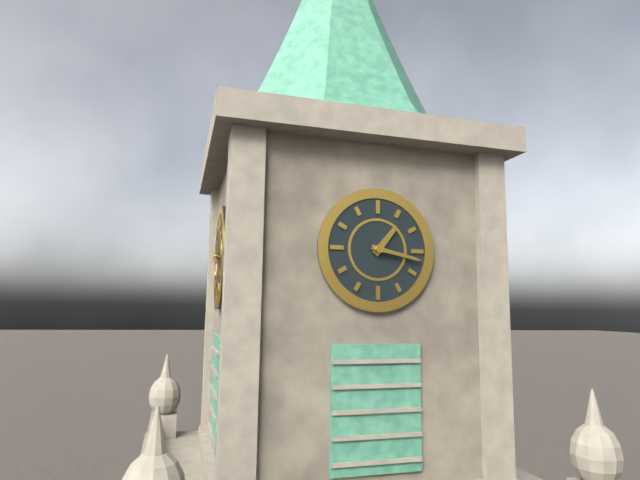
1:17
